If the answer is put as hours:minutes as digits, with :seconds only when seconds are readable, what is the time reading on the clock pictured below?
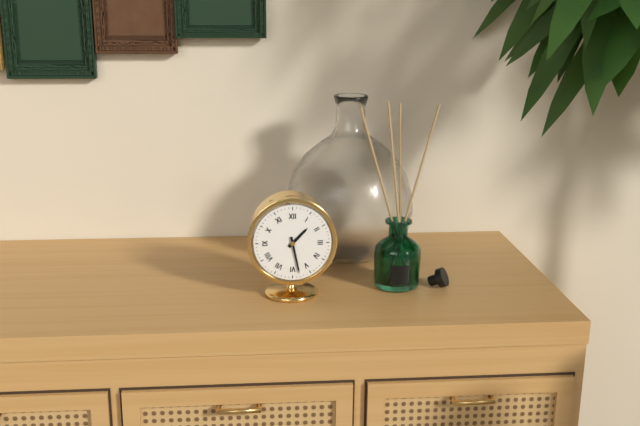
1:28
